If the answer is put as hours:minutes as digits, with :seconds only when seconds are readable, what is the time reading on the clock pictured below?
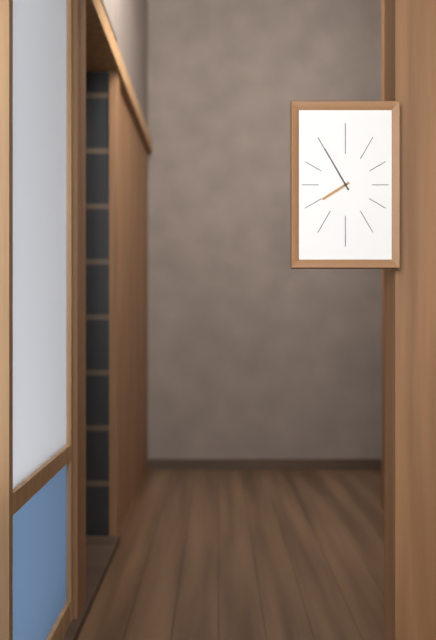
7:55
